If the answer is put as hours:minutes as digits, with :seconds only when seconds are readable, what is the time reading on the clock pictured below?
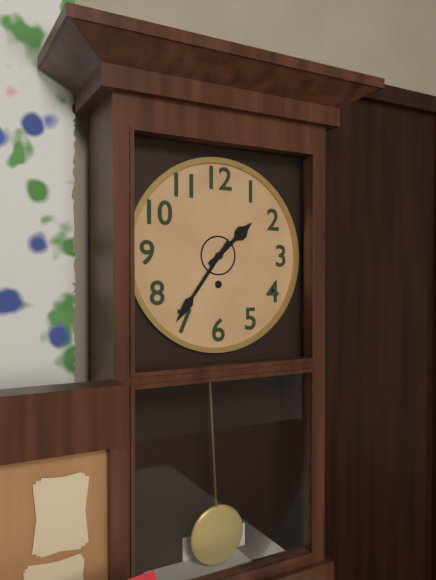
1:36
